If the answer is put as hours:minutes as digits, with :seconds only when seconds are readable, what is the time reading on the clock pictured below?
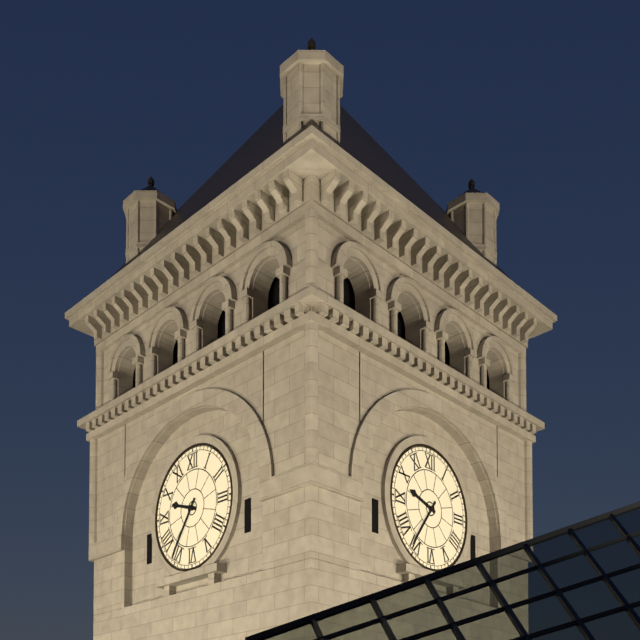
9:36
